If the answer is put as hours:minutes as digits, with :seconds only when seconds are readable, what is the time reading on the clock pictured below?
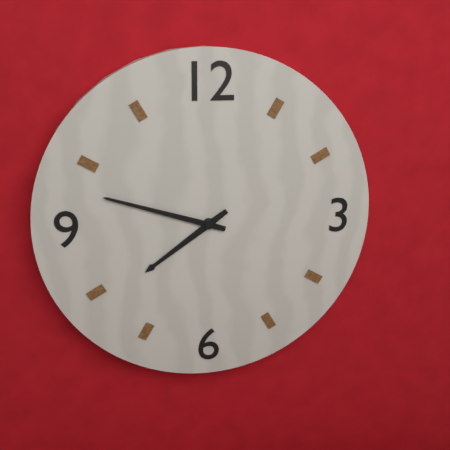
7:48
